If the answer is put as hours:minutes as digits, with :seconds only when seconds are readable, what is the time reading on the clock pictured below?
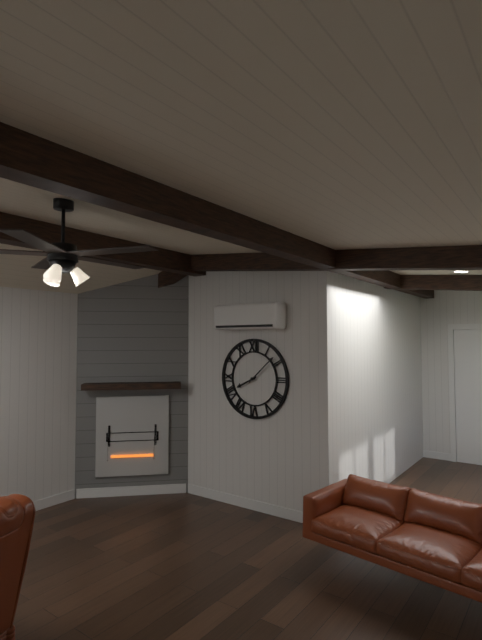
8:08
